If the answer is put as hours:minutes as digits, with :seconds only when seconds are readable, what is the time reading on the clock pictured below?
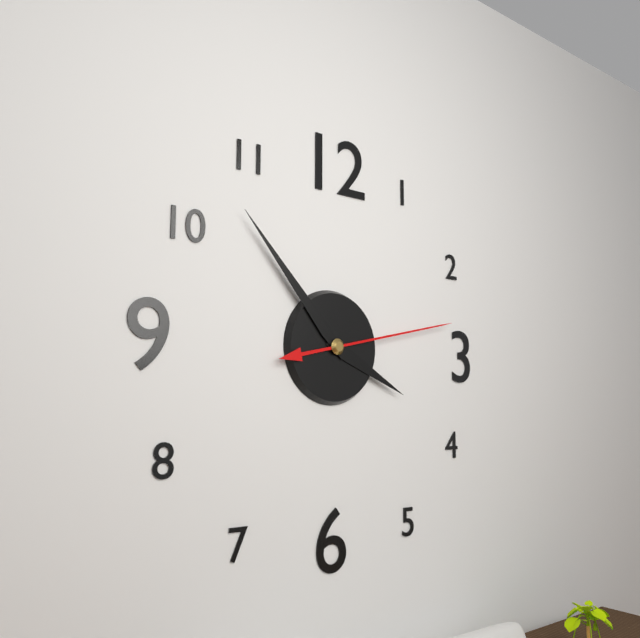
3:53:13
